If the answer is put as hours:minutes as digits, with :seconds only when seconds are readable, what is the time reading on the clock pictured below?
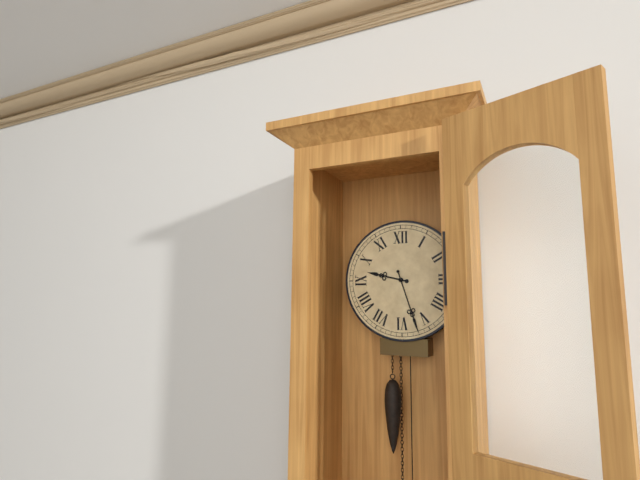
9:27
